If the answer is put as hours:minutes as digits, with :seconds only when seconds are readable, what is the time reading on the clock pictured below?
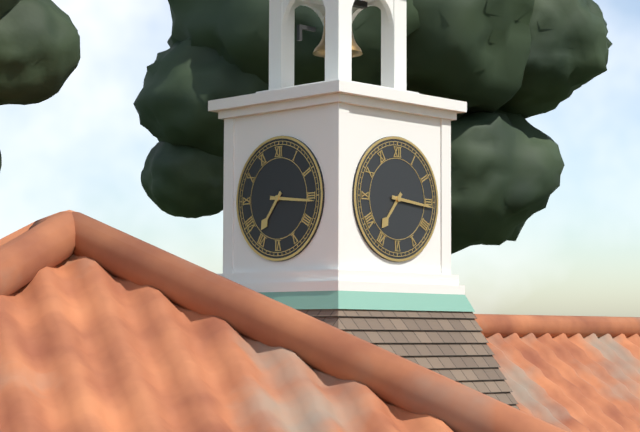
7:16
